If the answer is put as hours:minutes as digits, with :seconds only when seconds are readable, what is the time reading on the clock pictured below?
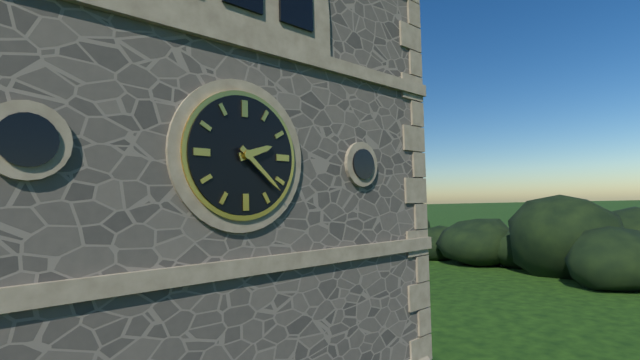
2:22
